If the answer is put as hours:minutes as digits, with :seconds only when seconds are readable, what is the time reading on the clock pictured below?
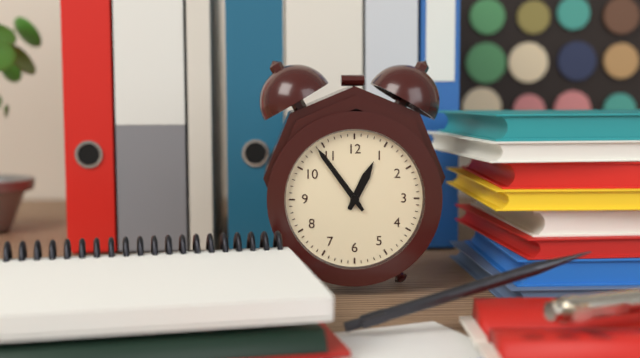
12:54
